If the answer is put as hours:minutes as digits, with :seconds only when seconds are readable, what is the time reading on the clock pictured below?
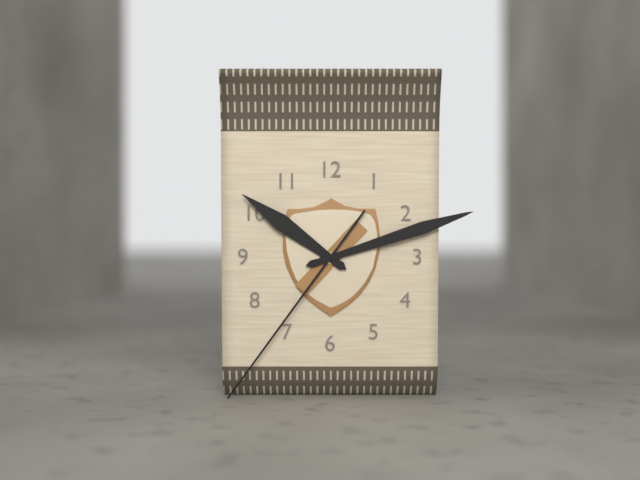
10:12:36
